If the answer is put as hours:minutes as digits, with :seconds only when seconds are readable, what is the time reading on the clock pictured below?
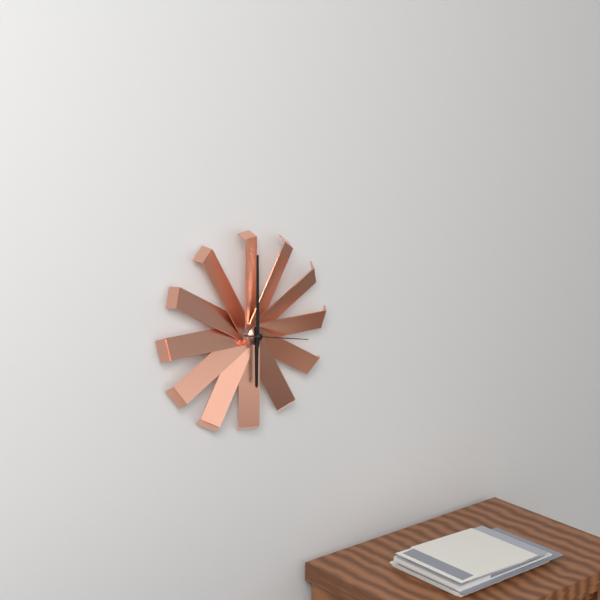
6:00:17
